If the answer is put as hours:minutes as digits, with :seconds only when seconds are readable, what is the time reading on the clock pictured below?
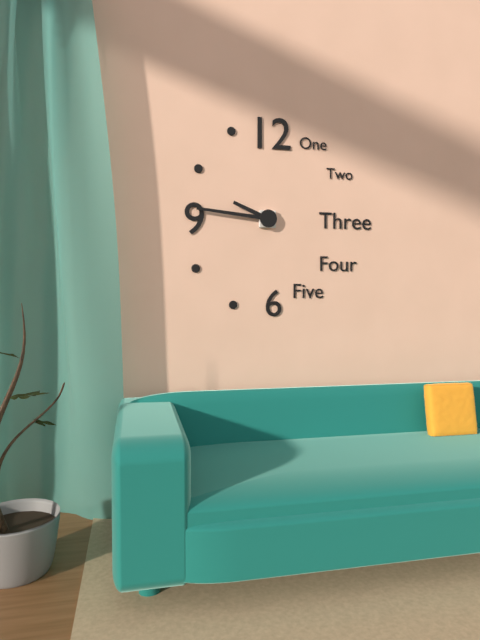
9:46
